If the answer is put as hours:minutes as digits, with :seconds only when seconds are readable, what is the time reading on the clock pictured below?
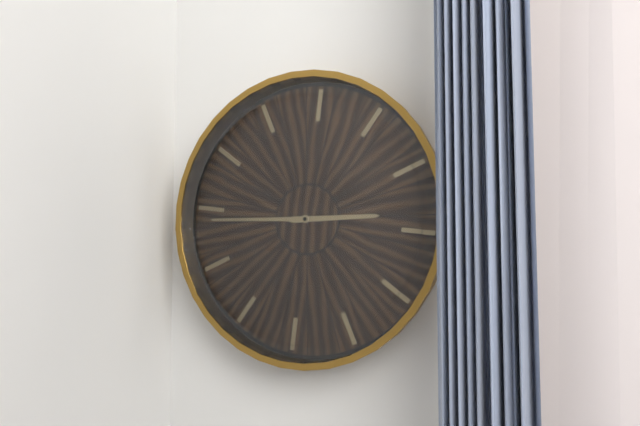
2:44
